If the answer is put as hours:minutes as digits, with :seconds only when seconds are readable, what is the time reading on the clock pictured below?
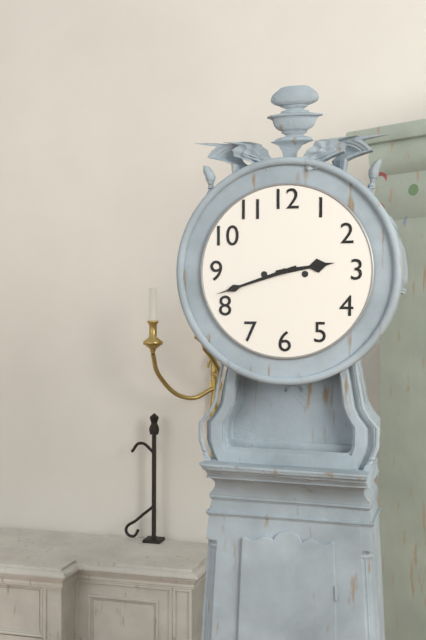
2:42
